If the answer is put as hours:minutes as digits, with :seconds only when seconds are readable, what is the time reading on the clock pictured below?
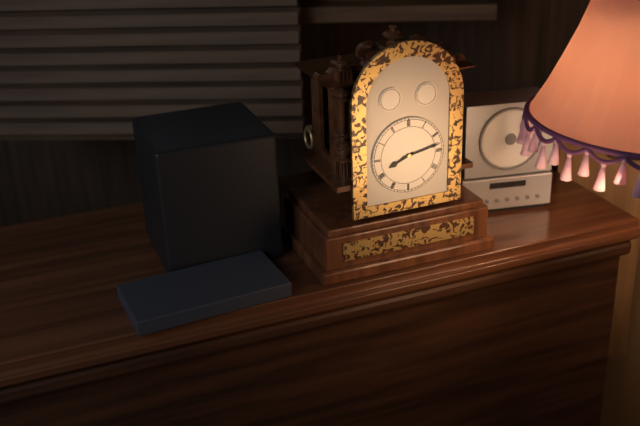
8:13
